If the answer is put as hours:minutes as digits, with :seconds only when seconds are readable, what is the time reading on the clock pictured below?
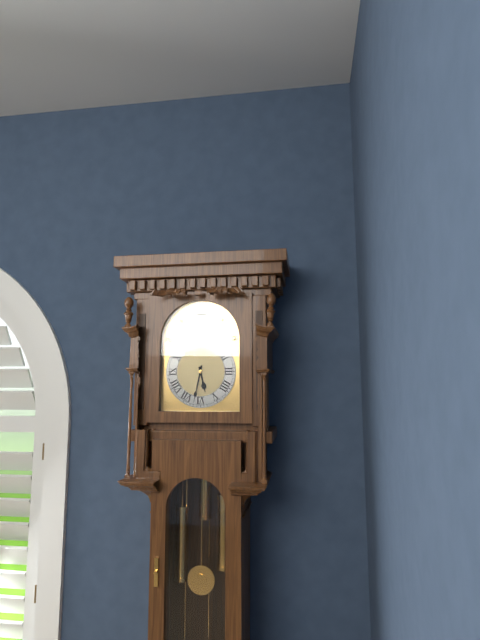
5:32
